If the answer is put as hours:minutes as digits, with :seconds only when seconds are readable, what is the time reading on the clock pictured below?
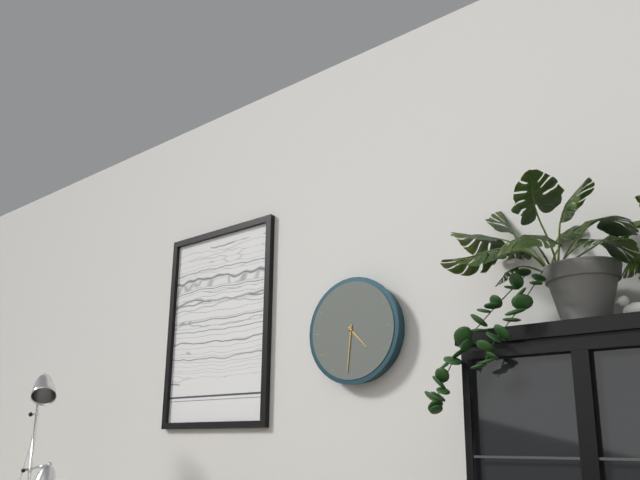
4:31
